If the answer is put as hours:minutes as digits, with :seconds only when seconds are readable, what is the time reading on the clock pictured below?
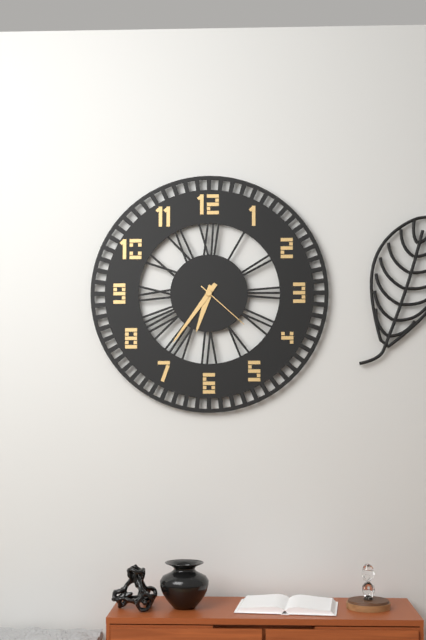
6:36:22
